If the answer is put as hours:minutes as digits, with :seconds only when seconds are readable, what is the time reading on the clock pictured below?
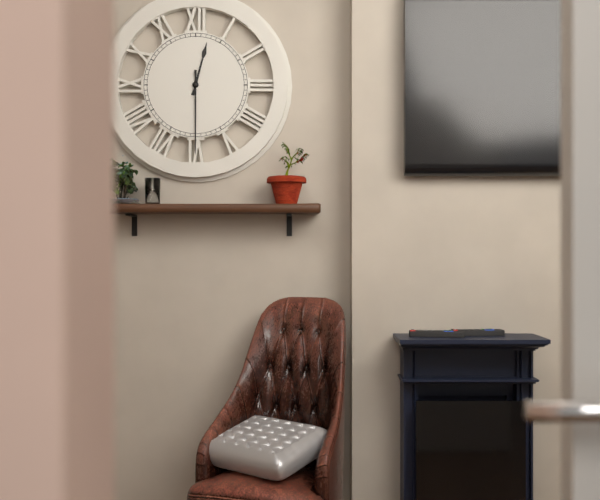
12:30
